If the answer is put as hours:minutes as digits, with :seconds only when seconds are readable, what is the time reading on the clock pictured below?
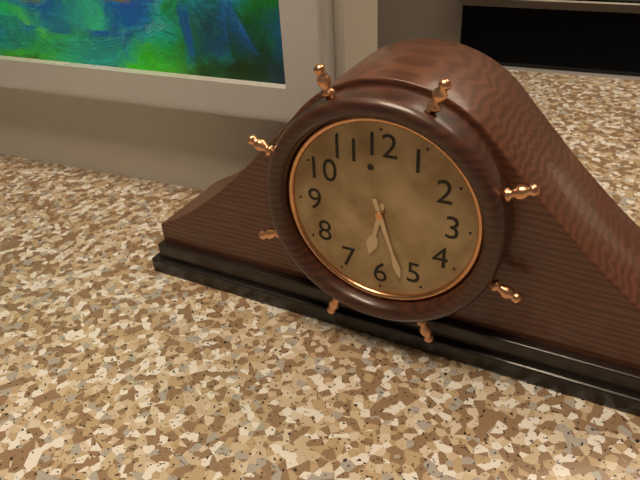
6:27
